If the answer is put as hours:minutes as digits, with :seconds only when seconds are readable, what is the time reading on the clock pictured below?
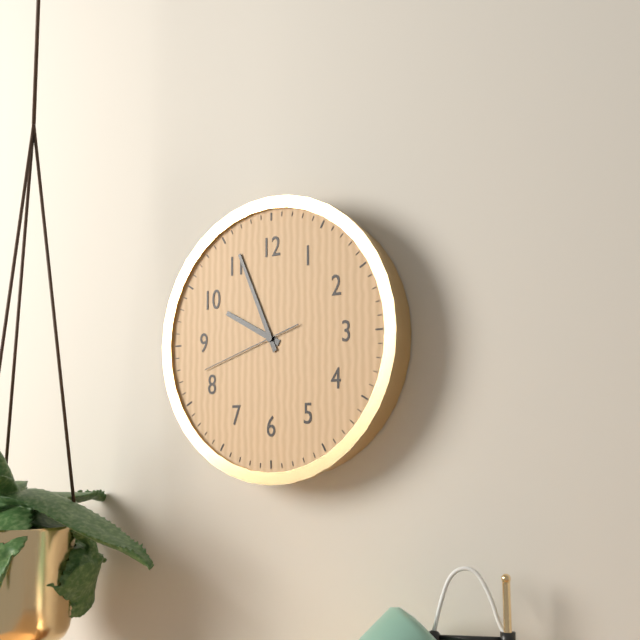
9:56:42
